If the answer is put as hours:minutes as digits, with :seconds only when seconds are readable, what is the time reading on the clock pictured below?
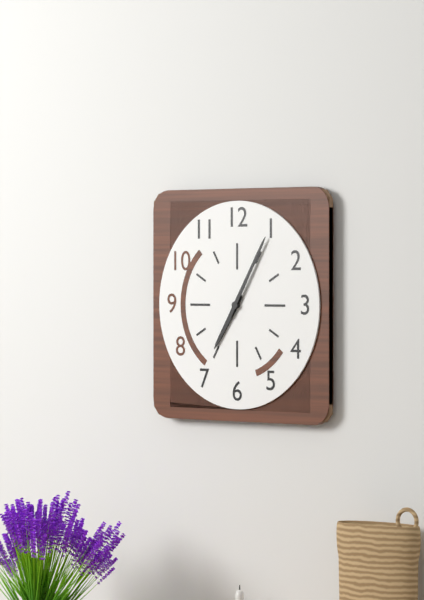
7:05
